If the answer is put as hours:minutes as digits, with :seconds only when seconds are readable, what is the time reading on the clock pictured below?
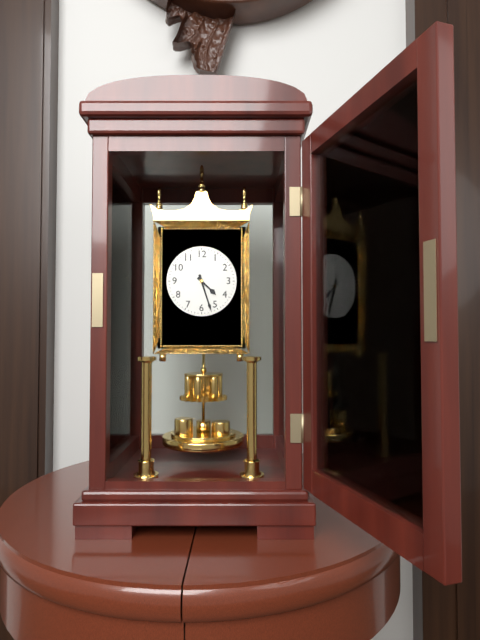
4:27
